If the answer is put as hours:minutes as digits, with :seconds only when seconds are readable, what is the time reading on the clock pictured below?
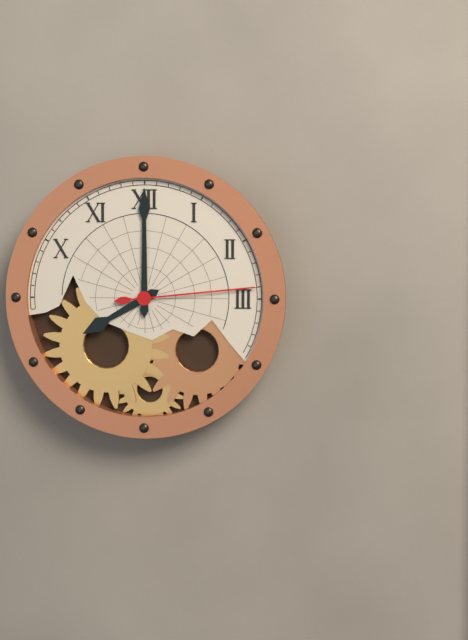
8:00:14
